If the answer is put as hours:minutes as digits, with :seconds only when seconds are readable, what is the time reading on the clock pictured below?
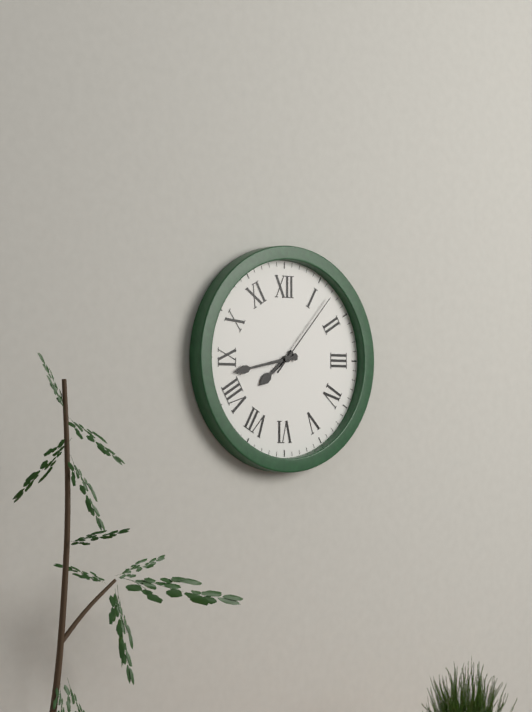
7:43:07
